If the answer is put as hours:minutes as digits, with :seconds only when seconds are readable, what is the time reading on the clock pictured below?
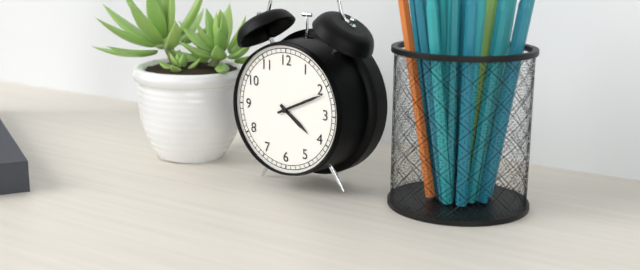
4:11
